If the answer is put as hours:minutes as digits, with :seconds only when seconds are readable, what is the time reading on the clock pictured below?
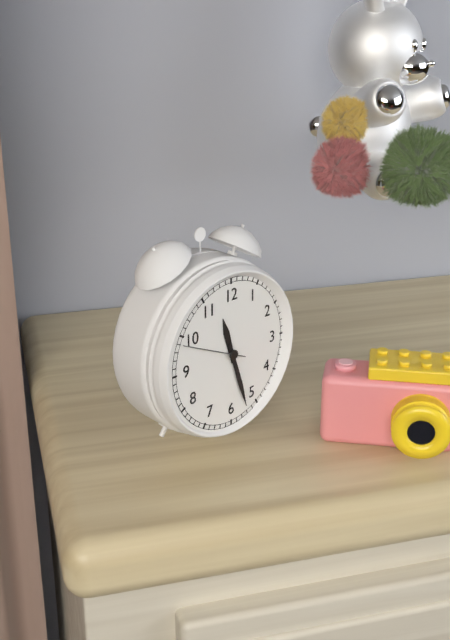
11:27:49
